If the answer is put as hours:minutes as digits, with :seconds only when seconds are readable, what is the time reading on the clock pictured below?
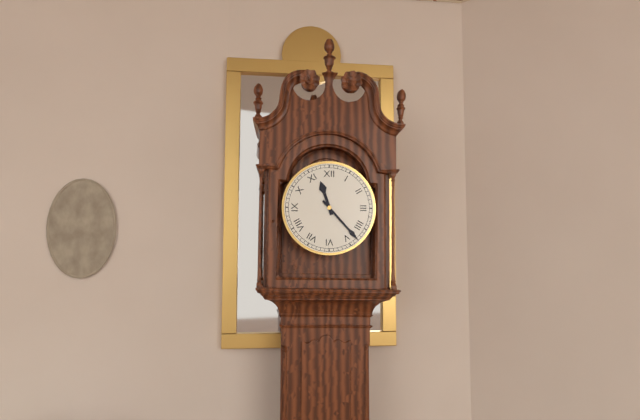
11:23
